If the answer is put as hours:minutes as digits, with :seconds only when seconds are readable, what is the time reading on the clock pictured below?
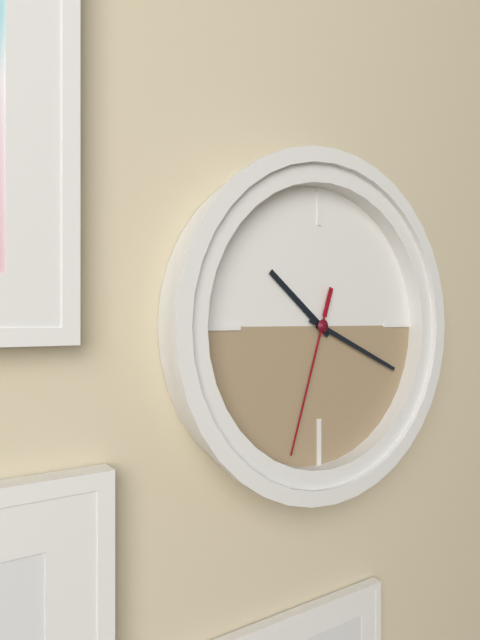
10:19:33
